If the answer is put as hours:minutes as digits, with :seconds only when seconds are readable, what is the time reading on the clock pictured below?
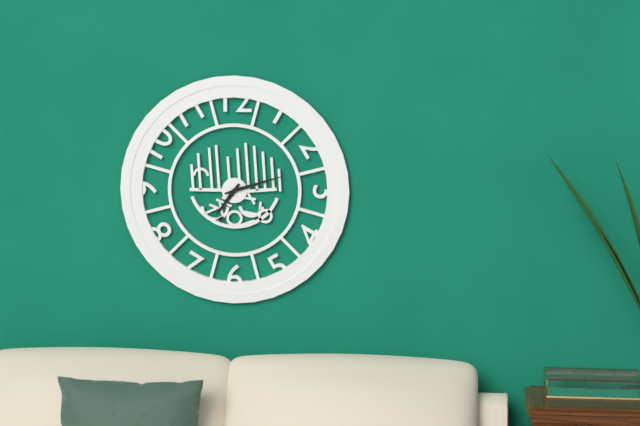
7:12
